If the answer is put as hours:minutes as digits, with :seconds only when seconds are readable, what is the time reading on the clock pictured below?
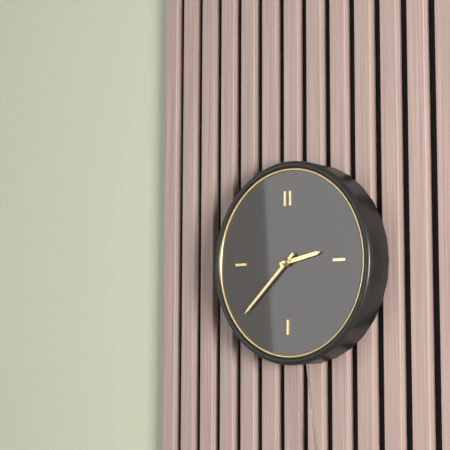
2:38
